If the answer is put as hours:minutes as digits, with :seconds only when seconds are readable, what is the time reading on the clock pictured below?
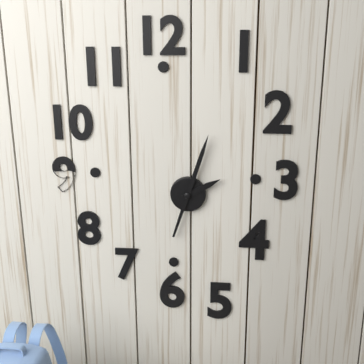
2:03
